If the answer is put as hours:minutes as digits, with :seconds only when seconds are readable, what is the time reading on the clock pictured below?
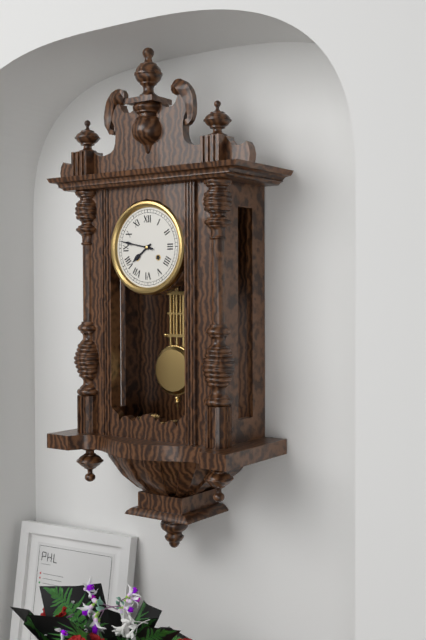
7:47
